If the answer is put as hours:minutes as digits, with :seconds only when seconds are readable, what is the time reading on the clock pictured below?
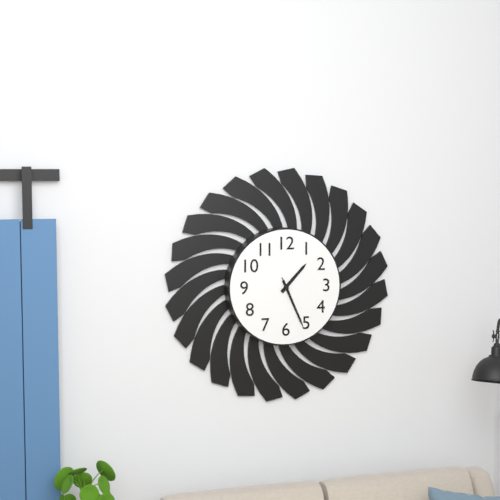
1:26:26
